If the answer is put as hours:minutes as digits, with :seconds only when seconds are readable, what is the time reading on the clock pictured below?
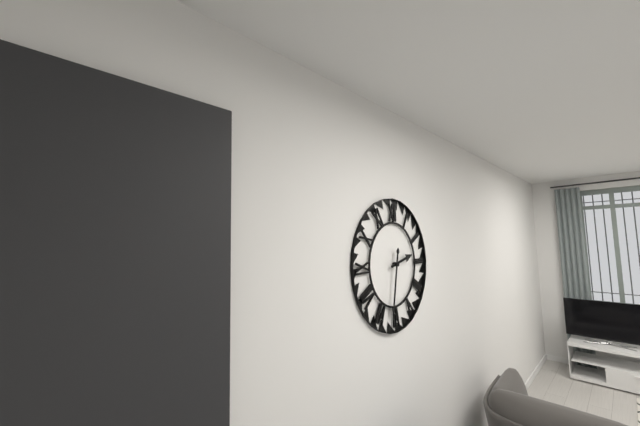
2:32
